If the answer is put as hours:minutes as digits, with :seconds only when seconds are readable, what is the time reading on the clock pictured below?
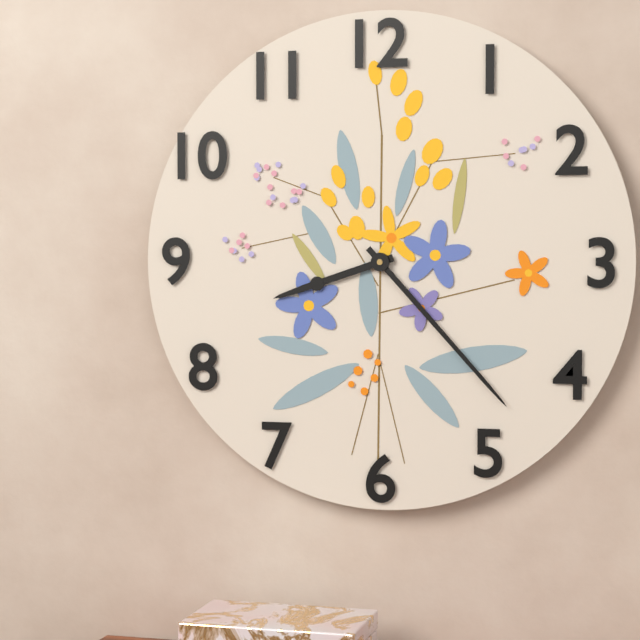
8:23
